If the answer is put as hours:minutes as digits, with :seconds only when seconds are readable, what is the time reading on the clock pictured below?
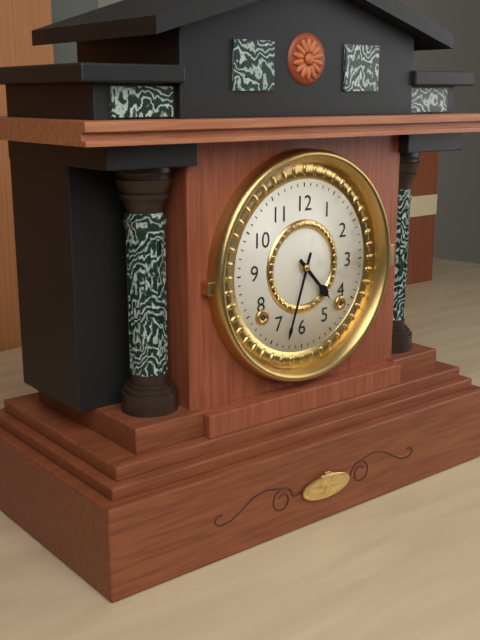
4:33
